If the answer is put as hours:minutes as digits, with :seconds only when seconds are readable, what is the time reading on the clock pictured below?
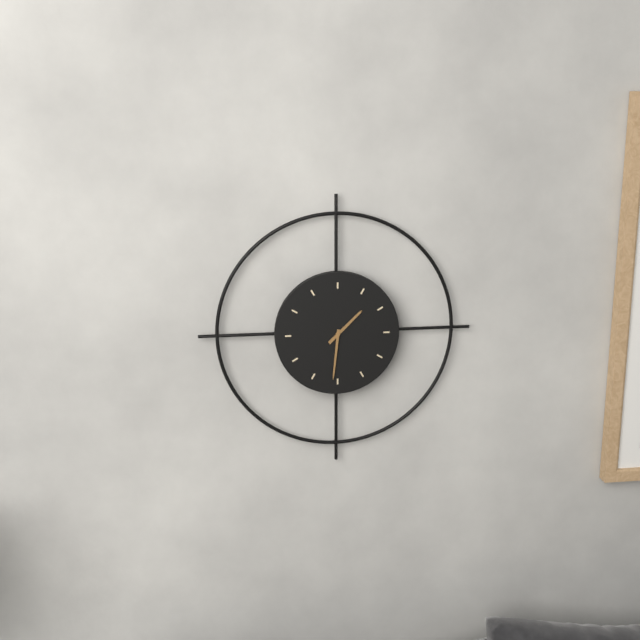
1:31
